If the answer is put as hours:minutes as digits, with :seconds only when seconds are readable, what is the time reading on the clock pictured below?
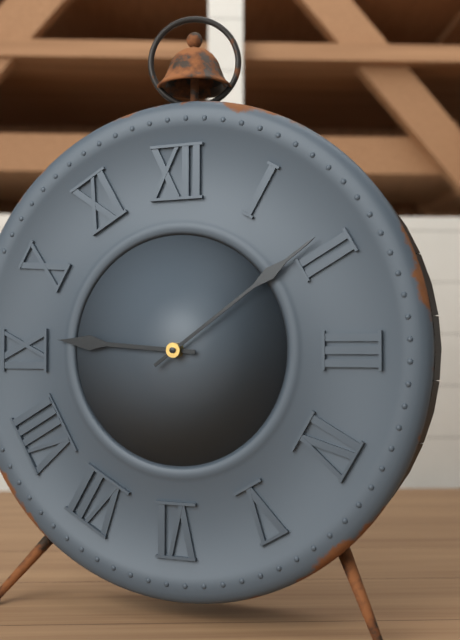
9:09
